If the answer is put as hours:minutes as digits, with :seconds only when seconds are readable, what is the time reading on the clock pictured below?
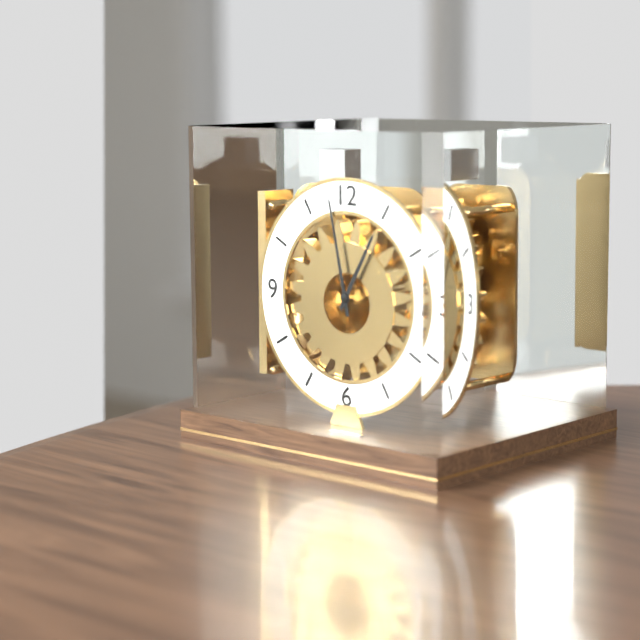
12:58
